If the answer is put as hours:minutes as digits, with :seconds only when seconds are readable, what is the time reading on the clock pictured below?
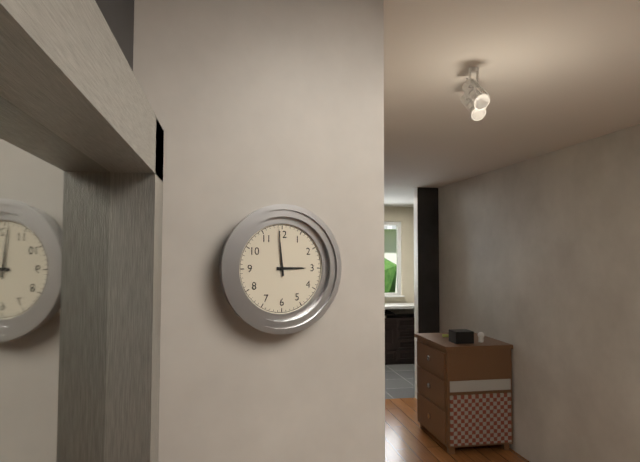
2:59
